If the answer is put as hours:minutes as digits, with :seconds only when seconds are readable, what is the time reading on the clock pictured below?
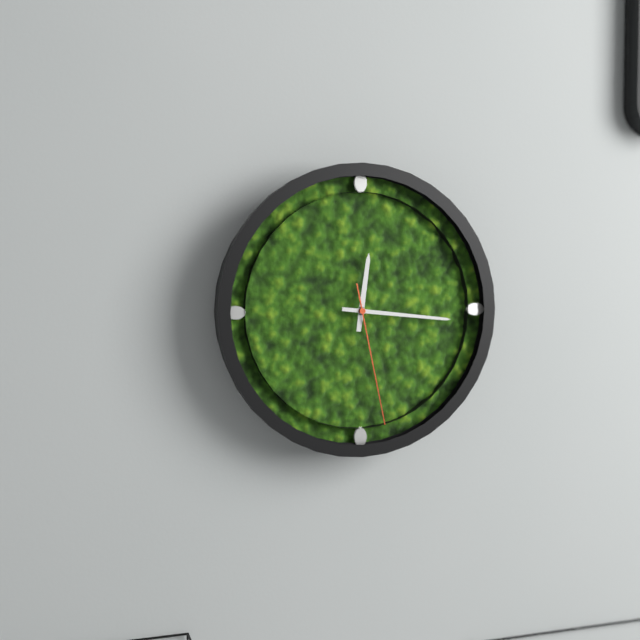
12:16:28
